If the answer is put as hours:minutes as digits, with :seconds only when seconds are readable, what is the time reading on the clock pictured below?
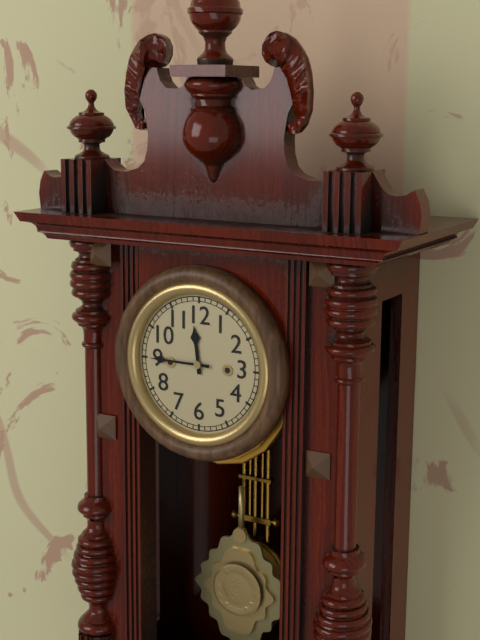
11:45
